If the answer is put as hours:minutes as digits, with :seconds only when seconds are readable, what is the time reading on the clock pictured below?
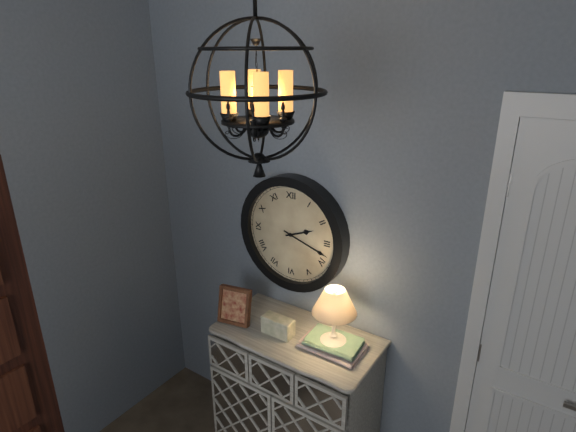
2:18
